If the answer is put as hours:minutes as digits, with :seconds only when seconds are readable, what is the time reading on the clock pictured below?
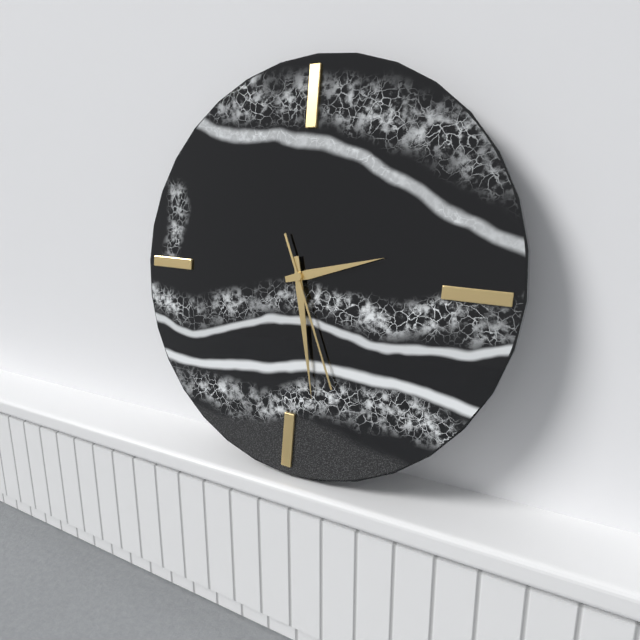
2:28:26
